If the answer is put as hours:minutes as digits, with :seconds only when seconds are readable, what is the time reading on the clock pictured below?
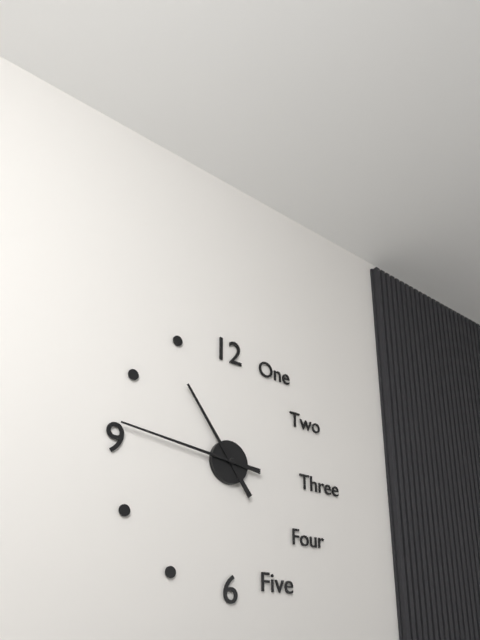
10:46
